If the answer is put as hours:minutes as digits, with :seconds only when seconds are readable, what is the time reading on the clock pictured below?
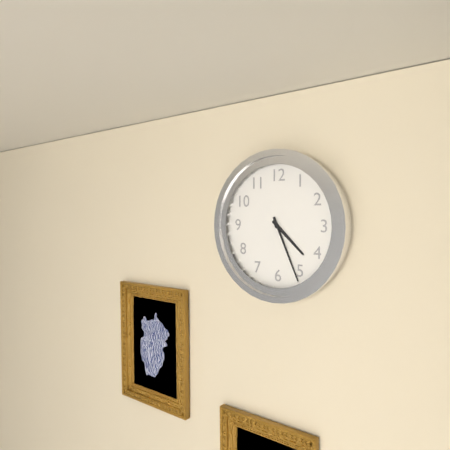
4:26
